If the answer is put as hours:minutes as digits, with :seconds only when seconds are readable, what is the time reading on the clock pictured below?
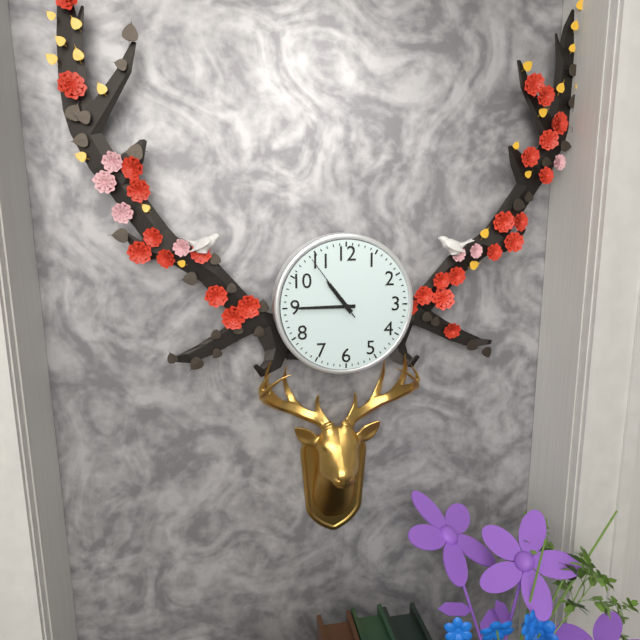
10:45:54
